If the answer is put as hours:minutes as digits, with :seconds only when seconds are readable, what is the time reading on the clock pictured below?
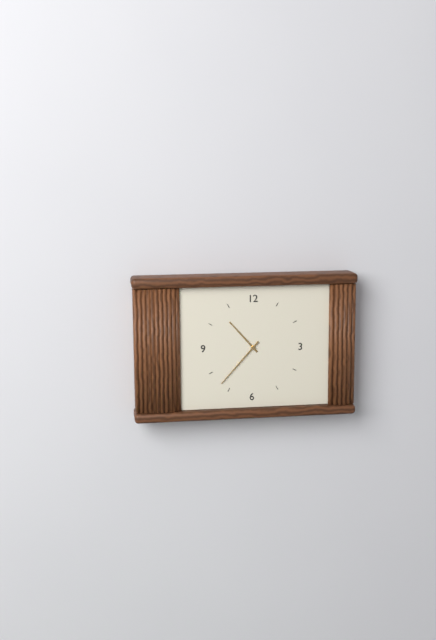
10:37
